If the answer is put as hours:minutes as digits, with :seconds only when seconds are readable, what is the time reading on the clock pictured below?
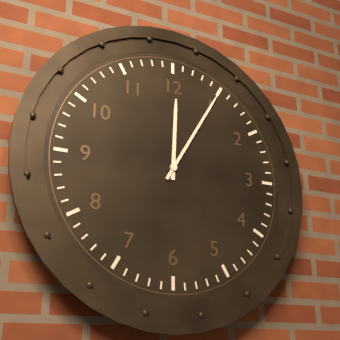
12:05
